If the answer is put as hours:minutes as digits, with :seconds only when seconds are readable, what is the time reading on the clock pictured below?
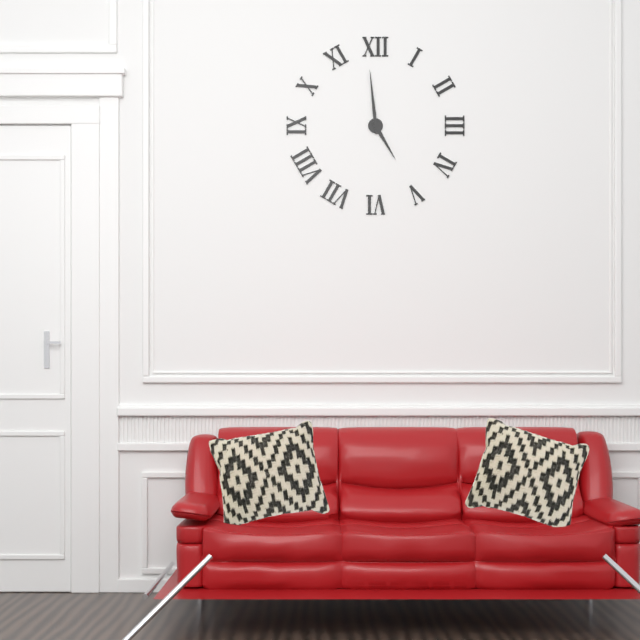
4:59
